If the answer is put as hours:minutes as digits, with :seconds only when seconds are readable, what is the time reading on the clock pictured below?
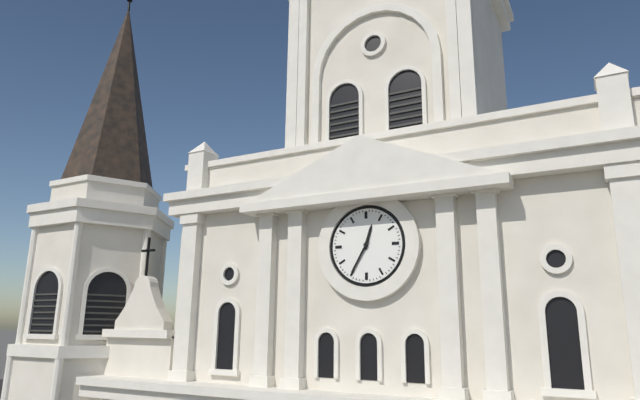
12:35
